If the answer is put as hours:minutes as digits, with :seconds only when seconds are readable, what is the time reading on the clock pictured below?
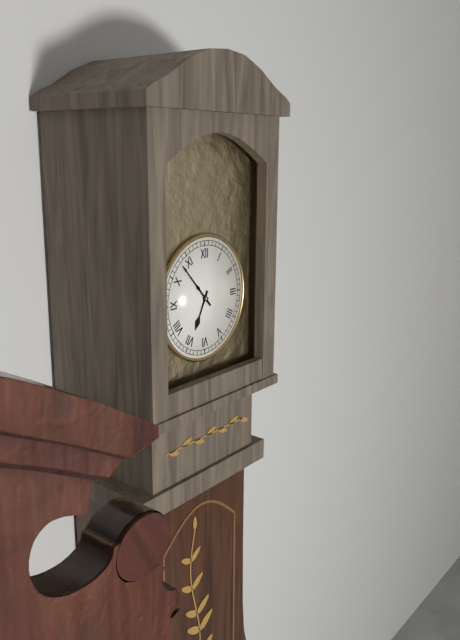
6:53
